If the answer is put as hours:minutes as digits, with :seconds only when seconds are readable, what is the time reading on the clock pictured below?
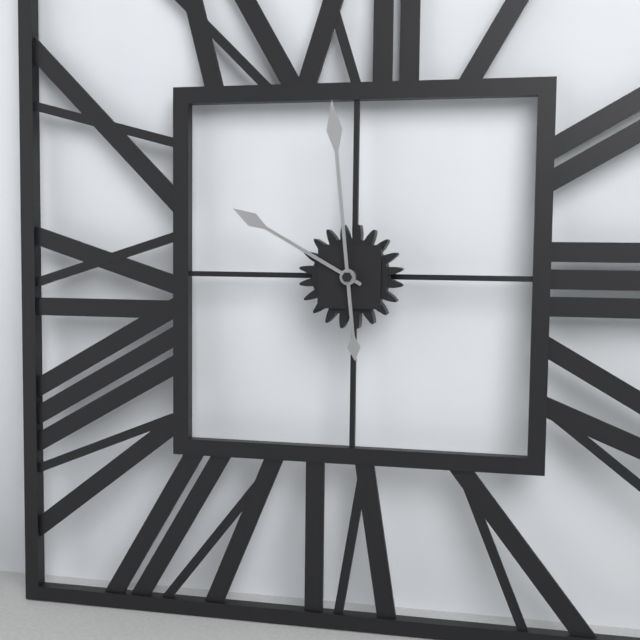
9:59
